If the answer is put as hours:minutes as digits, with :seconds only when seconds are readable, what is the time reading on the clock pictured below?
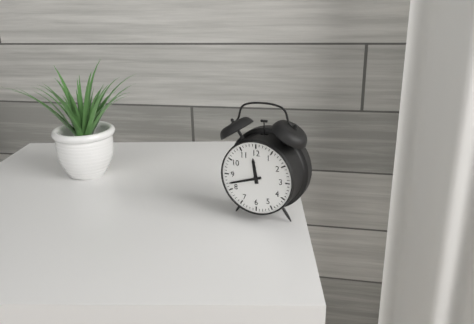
11:42
